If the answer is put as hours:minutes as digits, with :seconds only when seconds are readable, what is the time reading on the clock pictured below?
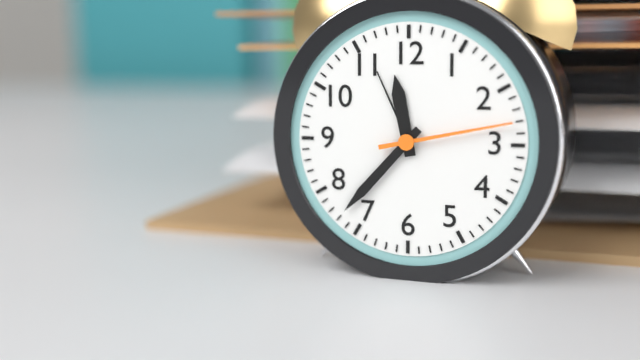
11:37:13
